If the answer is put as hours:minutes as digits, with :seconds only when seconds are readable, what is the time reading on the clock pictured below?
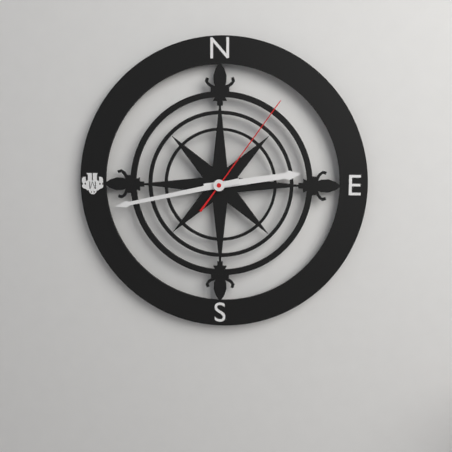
2:43:06
